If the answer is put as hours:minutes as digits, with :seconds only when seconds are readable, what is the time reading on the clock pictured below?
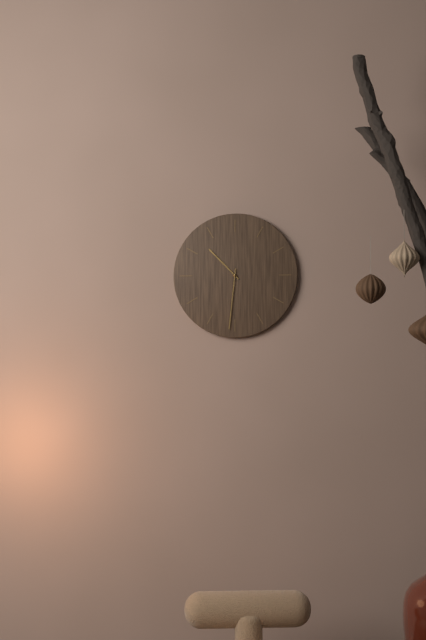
10:31
